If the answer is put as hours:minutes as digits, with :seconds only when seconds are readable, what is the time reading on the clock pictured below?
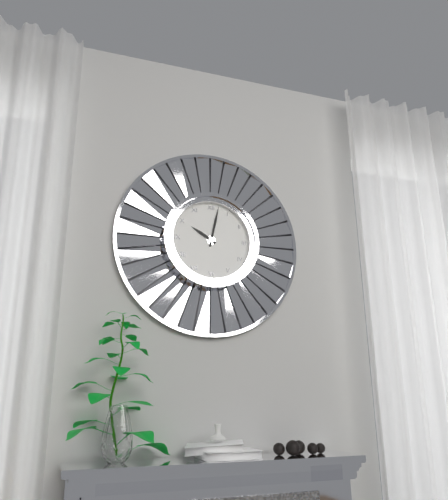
10:02
